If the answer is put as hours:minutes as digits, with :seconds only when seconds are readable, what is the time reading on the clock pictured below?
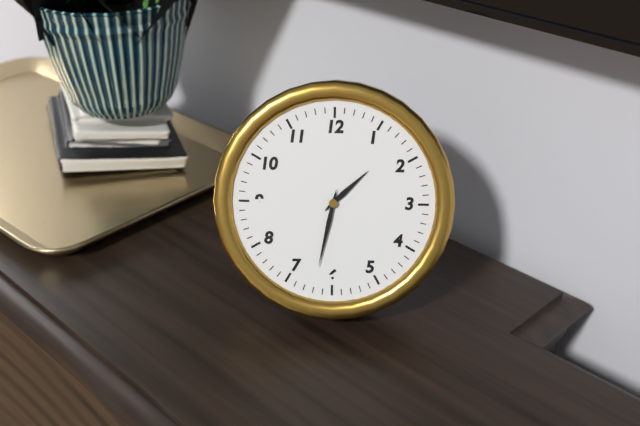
1:32
